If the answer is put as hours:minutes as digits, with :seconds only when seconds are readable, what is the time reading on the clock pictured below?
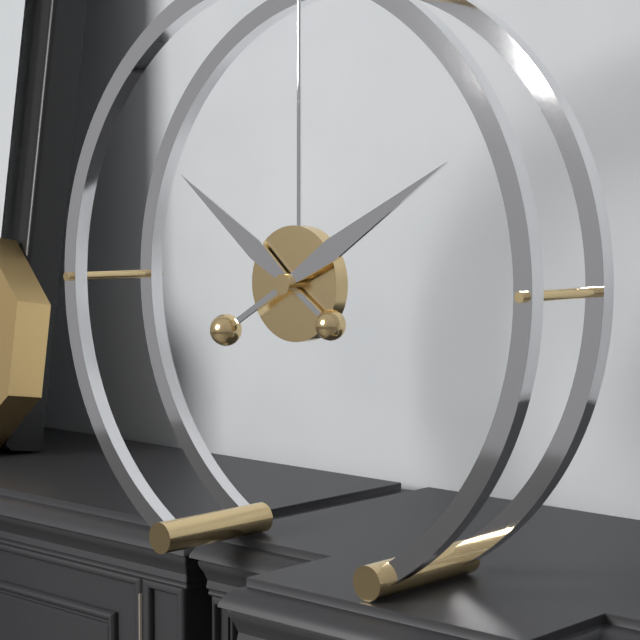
10:10
